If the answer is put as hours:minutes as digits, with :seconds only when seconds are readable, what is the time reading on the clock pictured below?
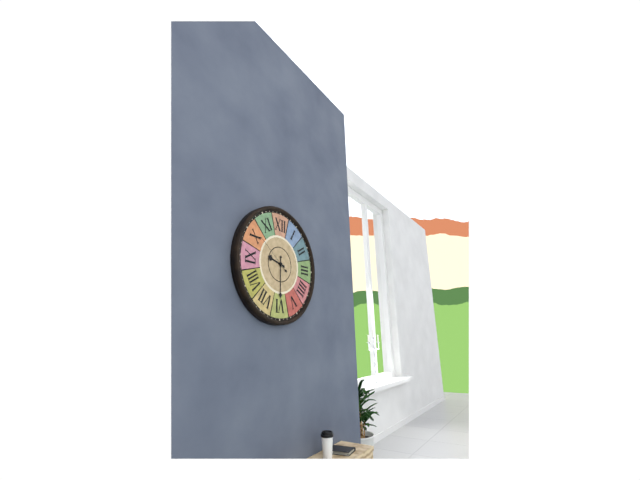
9:30
